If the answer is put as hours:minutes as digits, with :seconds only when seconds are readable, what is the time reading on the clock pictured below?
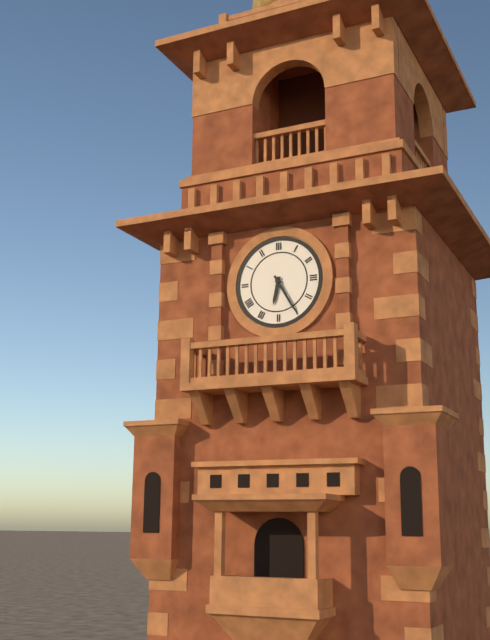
6:25
